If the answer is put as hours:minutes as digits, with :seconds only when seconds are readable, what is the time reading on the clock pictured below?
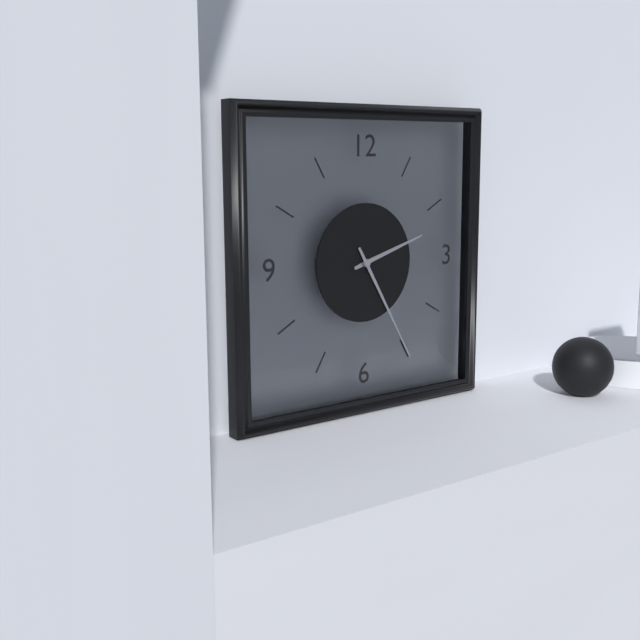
2:25
